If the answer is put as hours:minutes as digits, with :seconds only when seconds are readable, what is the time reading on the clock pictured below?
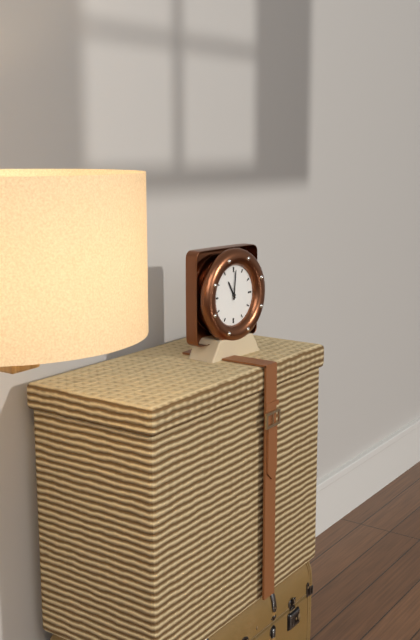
11:01
